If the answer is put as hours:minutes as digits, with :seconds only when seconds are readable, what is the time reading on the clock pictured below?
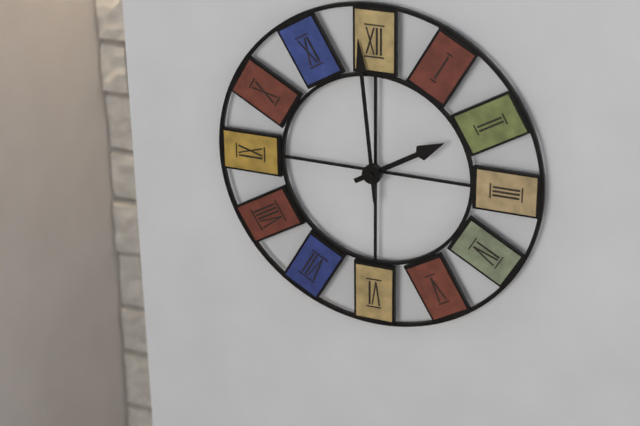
1:59
